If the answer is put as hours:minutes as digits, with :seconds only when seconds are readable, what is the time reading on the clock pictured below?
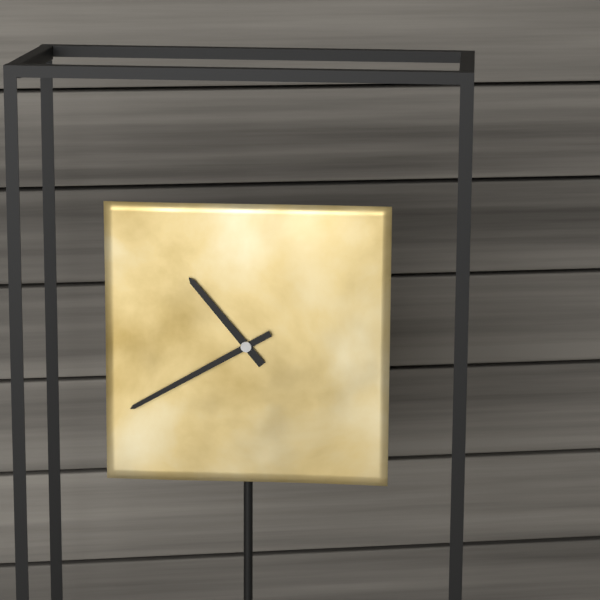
10:40
